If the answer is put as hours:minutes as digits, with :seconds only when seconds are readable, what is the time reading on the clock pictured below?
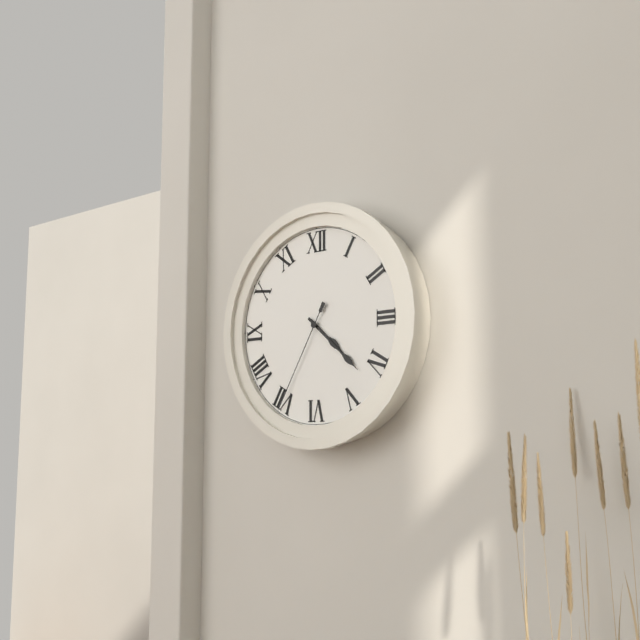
4:22:35
